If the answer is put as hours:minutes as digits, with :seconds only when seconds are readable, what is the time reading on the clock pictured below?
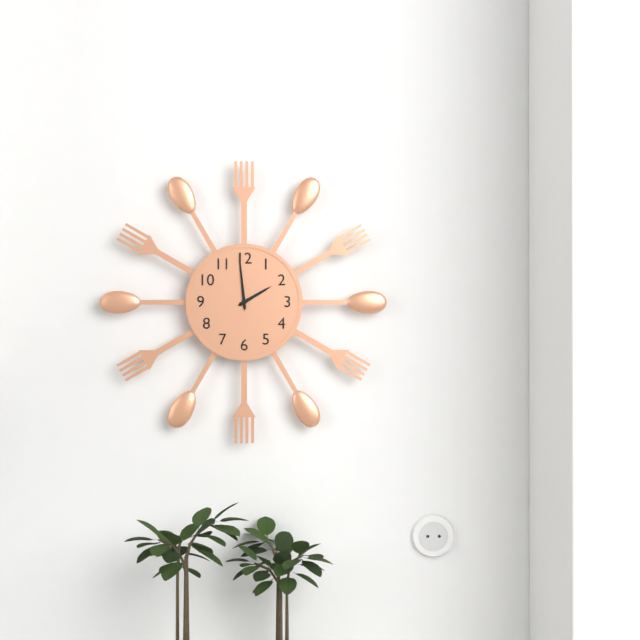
1:59
